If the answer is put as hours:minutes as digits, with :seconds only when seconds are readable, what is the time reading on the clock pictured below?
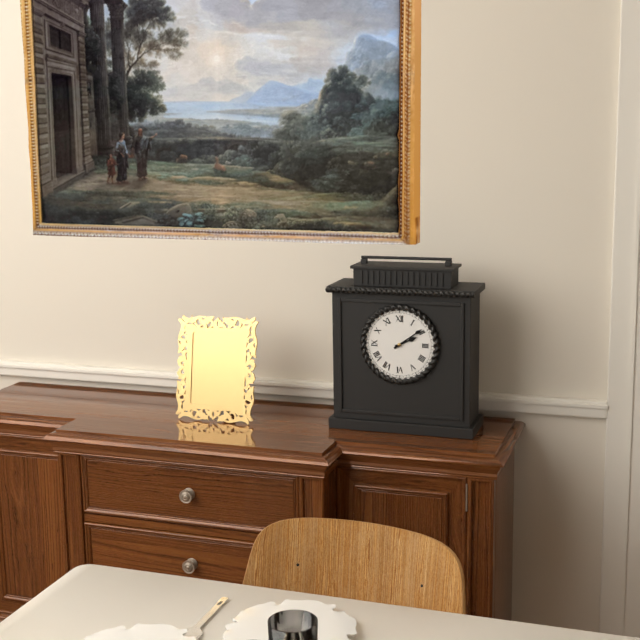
2:09
